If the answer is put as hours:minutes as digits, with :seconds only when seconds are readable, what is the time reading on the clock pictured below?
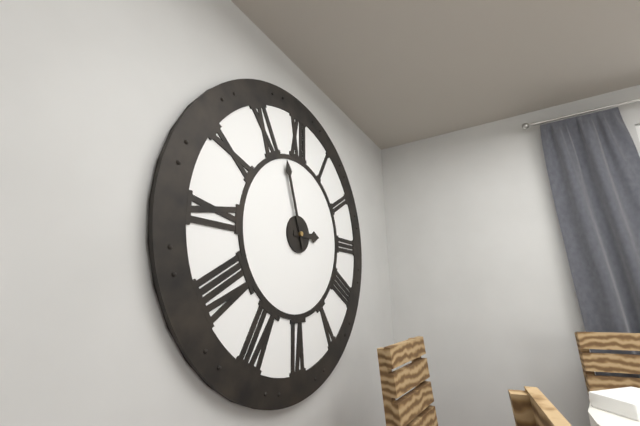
2:57
